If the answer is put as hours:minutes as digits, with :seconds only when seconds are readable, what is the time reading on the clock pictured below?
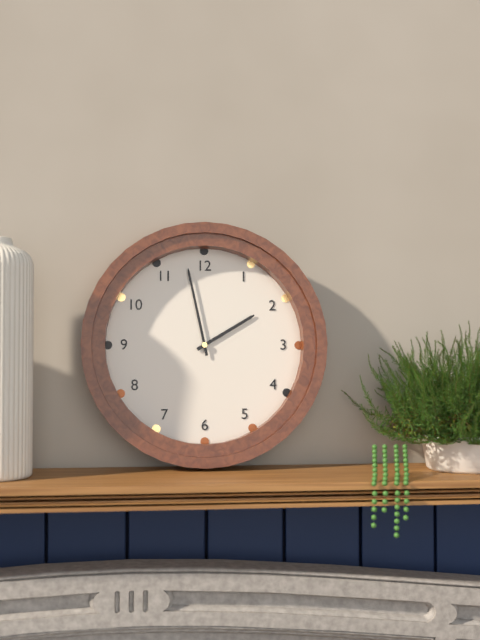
1:58
